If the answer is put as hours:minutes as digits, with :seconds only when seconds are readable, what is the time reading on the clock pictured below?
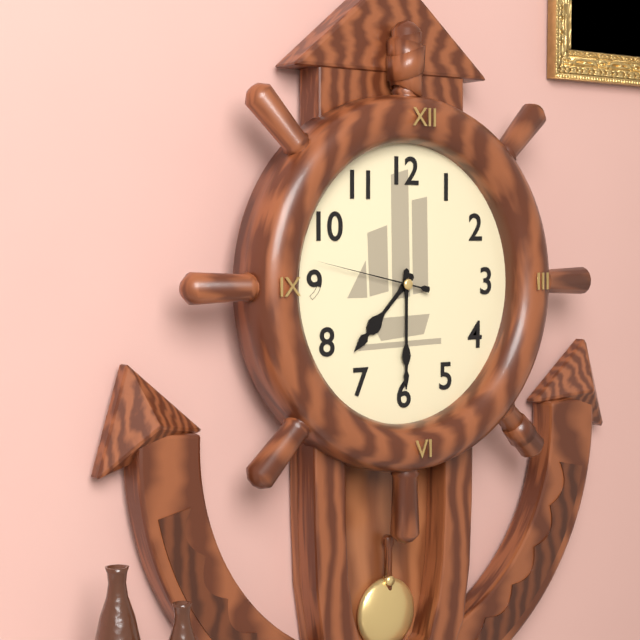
7:30:47
